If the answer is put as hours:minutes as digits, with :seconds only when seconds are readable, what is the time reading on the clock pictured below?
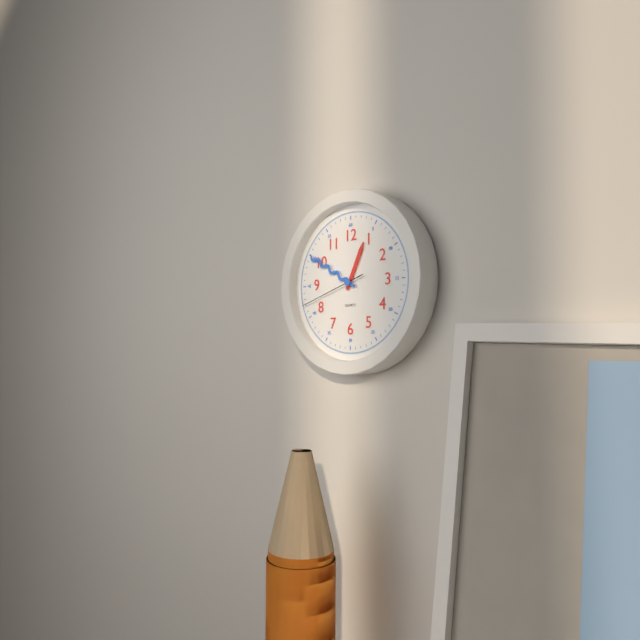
12:50:42
